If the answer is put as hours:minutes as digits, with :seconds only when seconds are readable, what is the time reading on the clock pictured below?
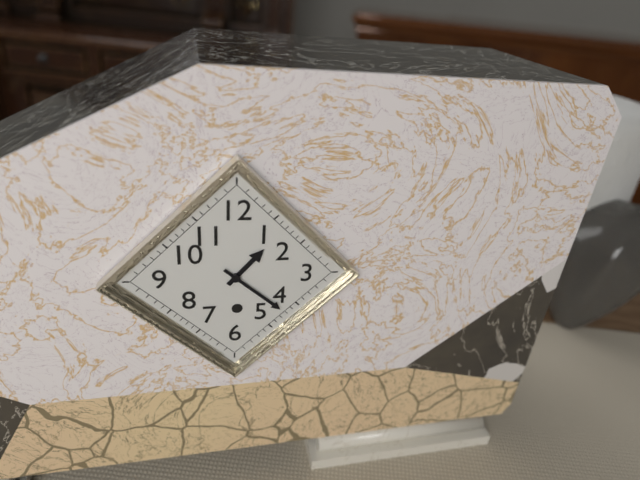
1:22
